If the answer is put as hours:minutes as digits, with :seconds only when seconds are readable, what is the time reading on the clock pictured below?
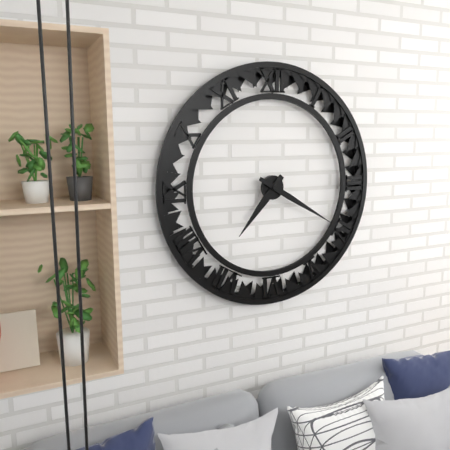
7:20
